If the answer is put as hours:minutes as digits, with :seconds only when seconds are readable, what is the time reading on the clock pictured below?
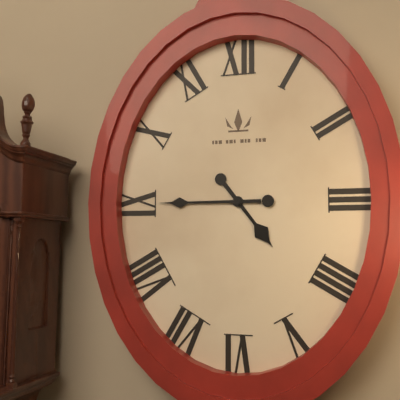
4:45
